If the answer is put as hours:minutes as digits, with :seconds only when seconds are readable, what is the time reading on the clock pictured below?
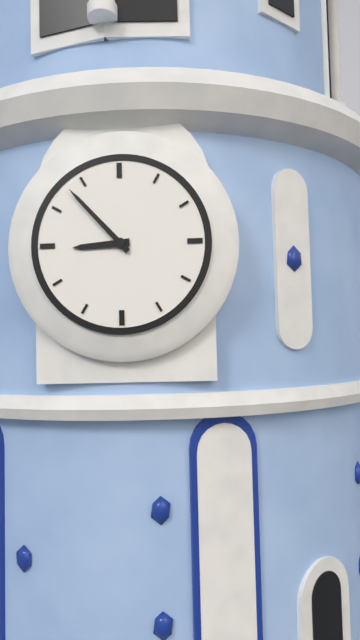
8:53
